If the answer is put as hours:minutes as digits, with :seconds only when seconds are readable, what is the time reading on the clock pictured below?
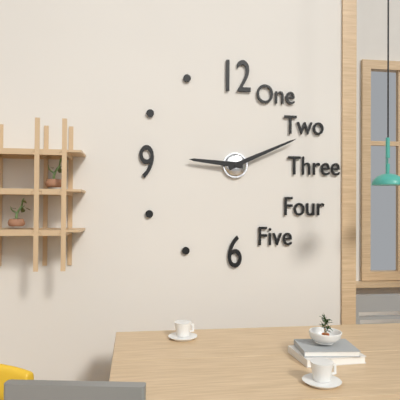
9:11
